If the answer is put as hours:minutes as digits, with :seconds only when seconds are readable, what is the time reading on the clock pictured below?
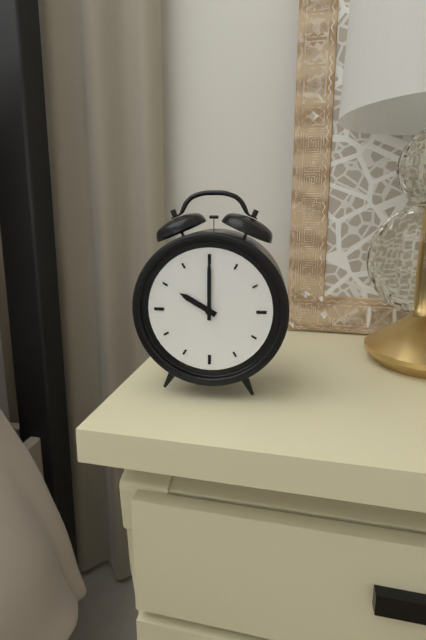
10:00
